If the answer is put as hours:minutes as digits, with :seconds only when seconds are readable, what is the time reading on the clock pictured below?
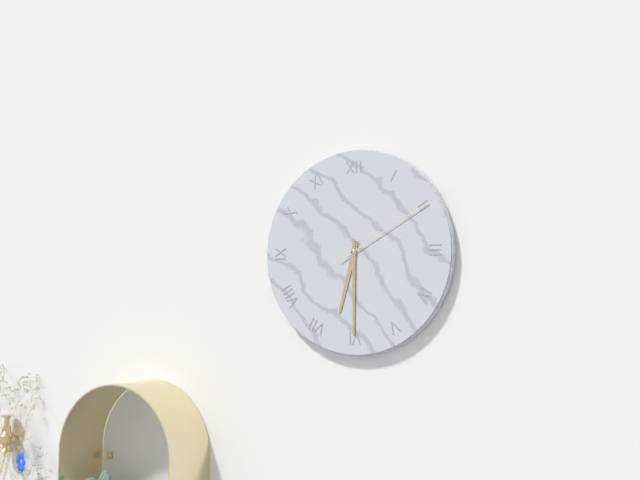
6:30:10
